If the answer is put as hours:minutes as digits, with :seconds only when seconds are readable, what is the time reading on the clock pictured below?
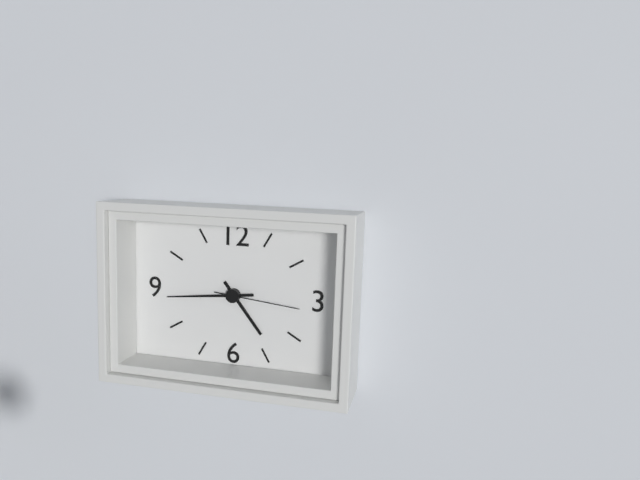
4:44:16
